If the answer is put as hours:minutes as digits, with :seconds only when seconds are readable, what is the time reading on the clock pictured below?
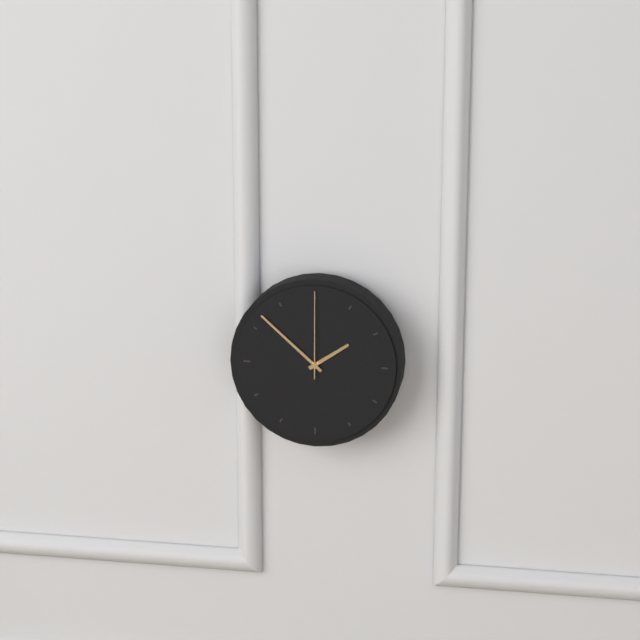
1:52:00
